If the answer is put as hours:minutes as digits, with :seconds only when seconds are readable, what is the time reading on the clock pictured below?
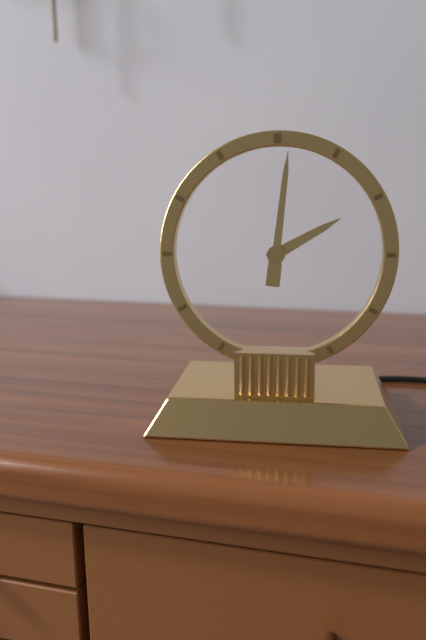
2:01
